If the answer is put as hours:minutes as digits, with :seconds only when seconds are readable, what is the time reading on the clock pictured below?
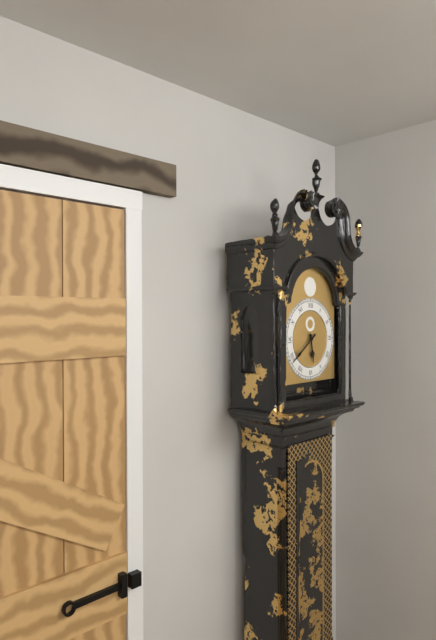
5:39
